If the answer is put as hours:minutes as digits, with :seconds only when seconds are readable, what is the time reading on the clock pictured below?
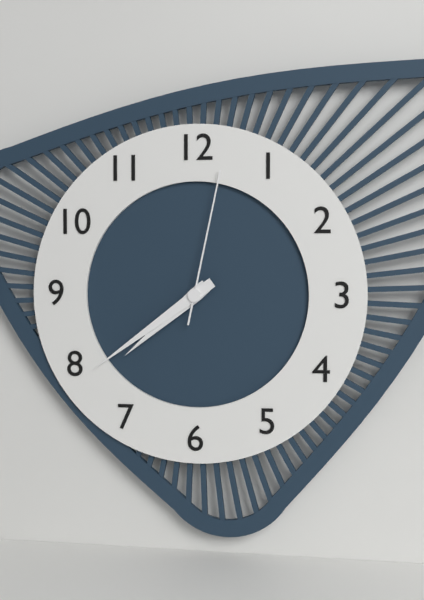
7:39:02
